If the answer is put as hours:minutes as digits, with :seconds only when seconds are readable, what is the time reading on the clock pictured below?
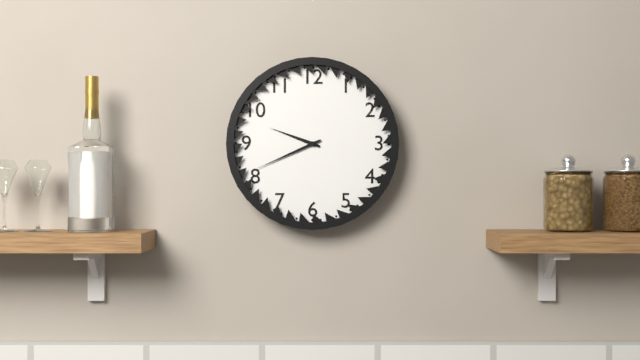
9:41
